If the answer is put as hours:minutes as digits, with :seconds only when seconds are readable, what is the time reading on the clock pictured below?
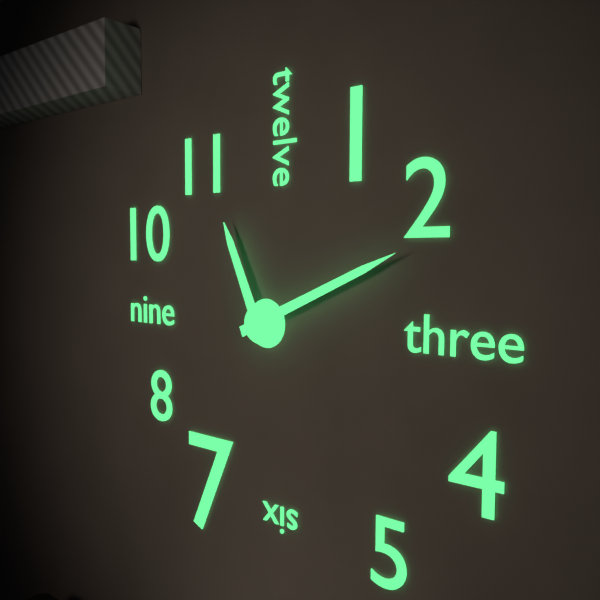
11:11
